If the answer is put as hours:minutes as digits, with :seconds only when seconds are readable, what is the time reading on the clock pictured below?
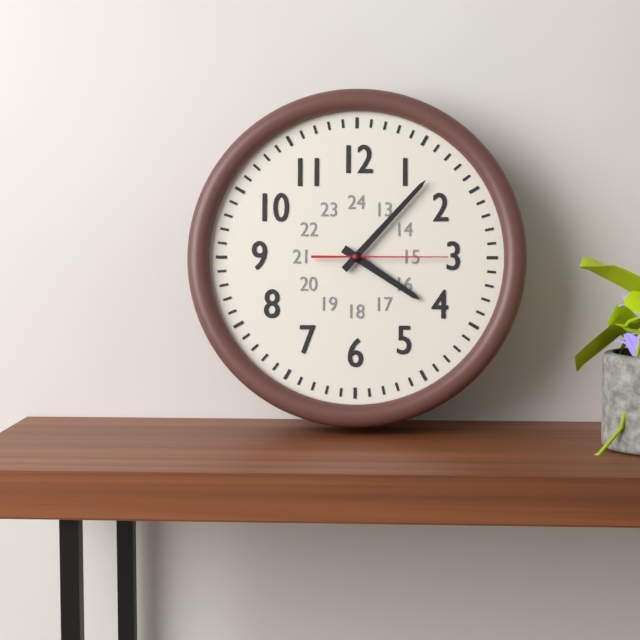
4:07:15
